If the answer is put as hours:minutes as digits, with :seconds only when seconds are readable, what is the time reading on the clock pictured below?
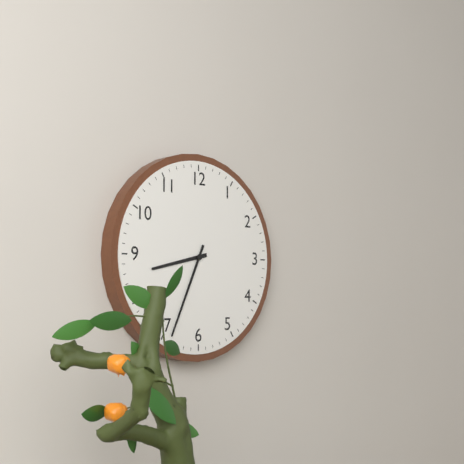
8:34
